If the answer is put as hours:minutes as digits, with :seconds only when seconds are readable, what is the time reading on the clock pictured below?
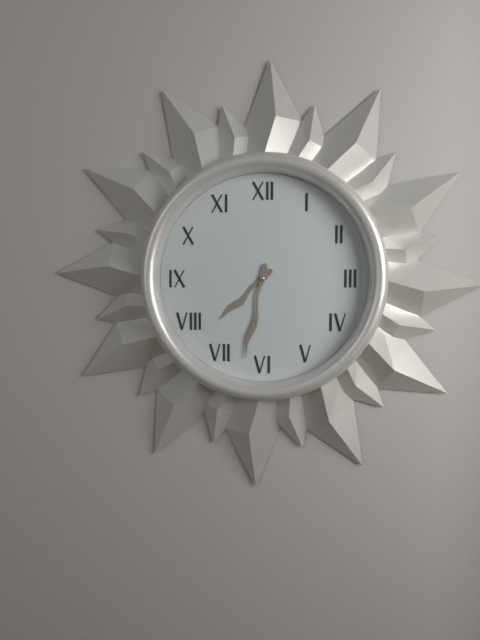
7:32
